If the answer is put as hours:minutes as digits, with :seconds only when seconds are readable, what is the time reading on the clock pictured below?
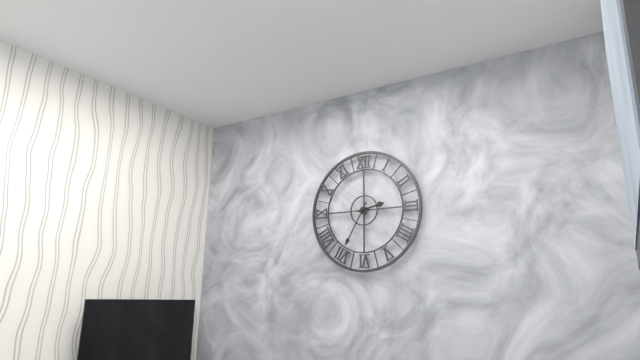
2:35
